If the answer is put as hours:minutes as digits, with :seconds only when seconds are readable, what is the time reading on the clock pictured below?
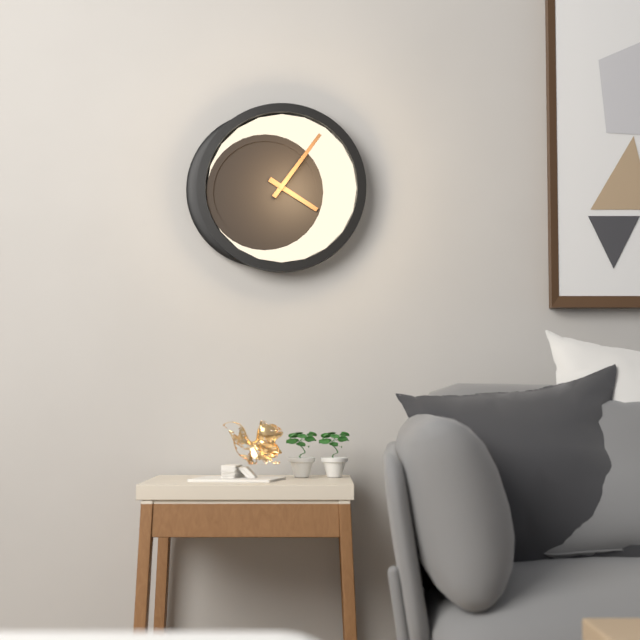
4:06
